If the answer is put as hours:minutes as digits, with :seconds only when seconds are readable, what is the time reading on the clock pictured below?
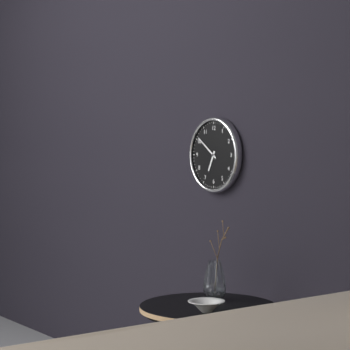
6:51
